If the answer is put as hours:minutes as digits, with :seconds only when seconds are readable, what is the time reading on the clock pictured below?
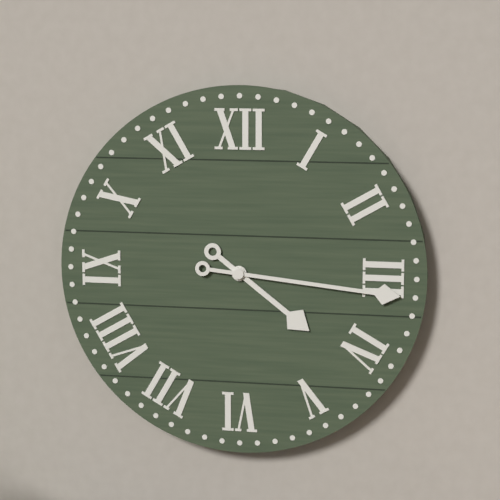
4:16
